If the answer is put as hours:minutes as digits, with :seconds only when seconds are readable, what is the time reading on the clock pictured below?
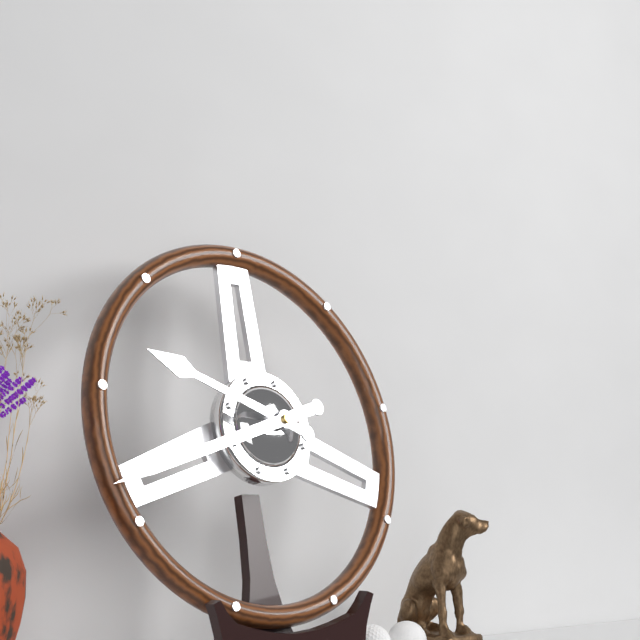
9:42
